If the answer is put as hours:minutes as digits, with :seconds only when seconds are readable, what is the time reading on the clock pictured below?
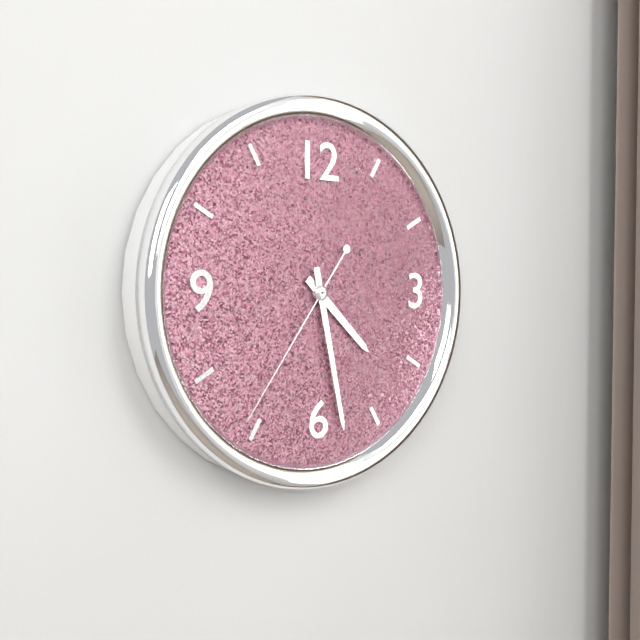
4:28:36
